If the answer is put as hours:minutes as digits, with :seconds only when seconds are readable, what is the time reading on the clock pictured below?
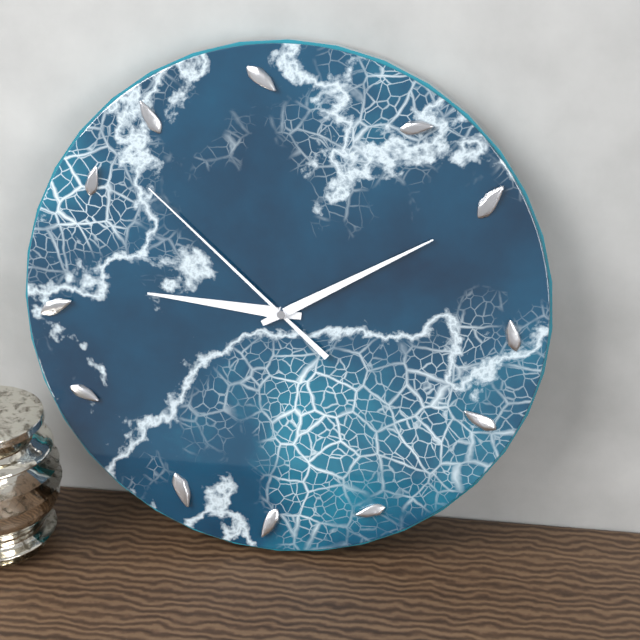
9:10:52
